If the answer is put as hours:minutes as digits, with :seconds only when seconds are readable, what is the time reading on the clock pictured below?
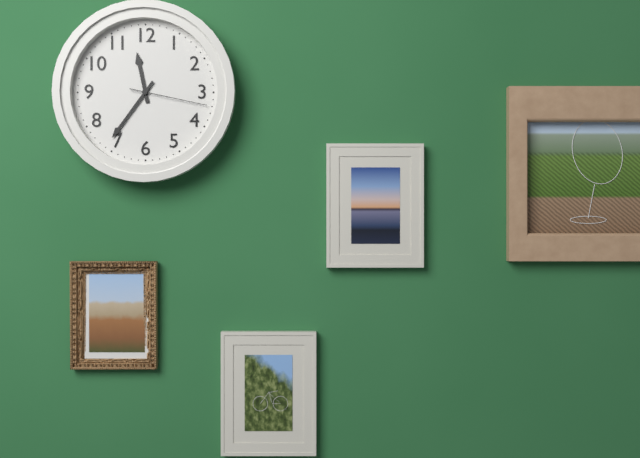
11:36:17
